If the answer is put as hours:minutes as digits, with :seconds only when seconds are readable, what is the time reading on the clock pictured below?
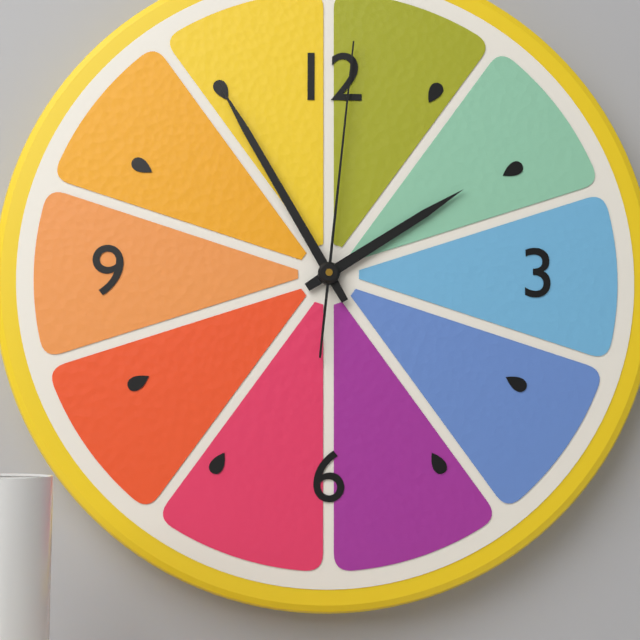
1:55:01
